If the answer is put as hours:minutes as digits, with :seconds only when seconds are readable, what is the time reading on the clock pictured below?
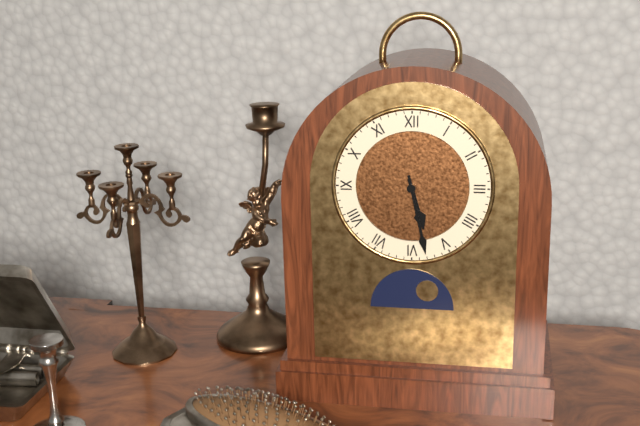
5:28
